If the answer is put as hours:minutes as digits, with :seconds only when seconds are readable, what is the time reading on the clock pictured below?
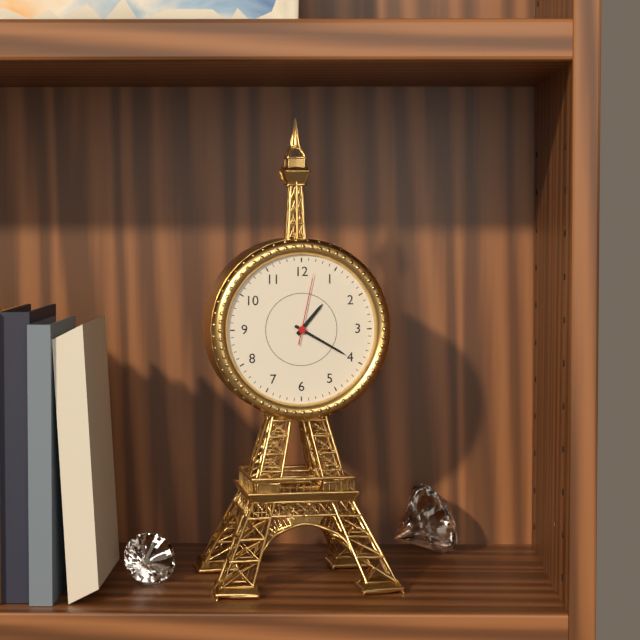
1:20:02
